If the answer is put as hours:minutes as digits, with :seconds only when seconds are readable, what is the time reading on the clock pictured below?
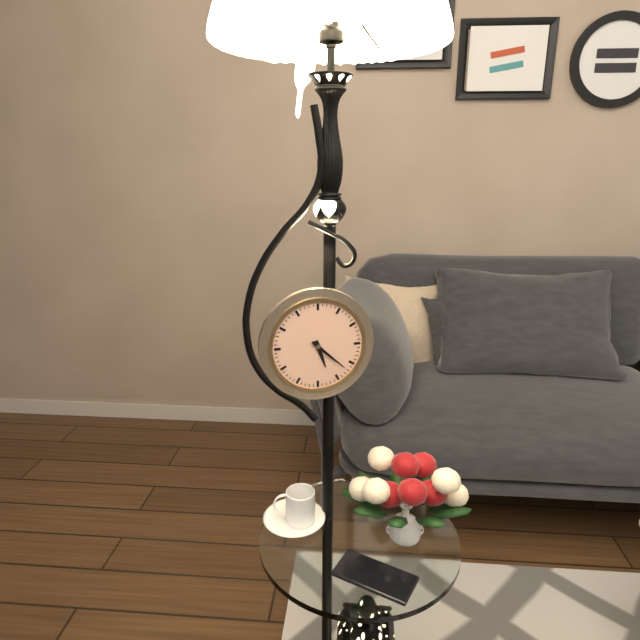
5:22
